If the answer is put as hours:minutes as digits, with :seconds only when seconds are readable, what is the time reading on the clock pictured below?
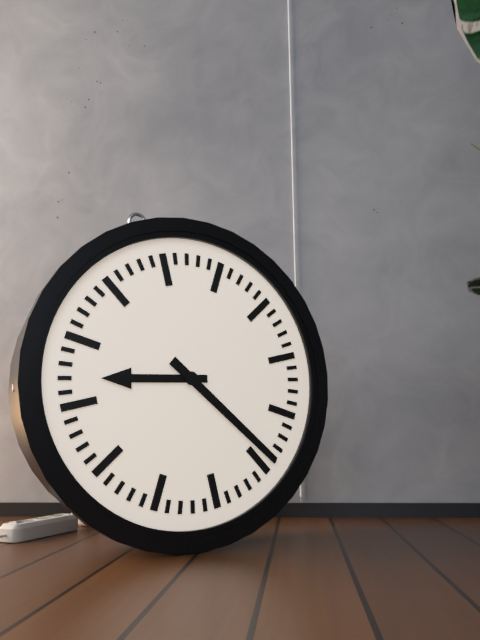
9:24
